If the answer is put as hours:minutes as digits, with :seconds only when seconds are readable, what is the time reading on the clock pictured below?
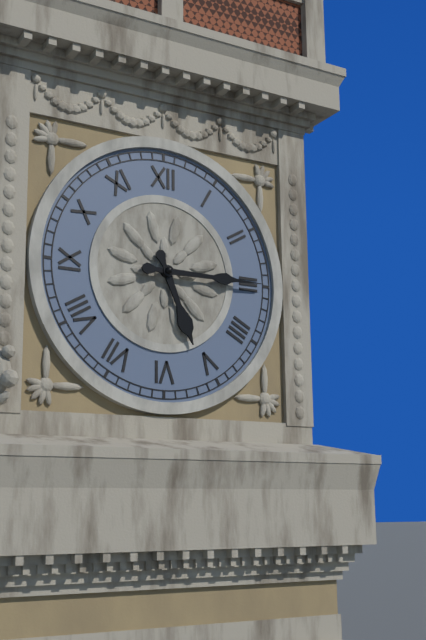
5:15
